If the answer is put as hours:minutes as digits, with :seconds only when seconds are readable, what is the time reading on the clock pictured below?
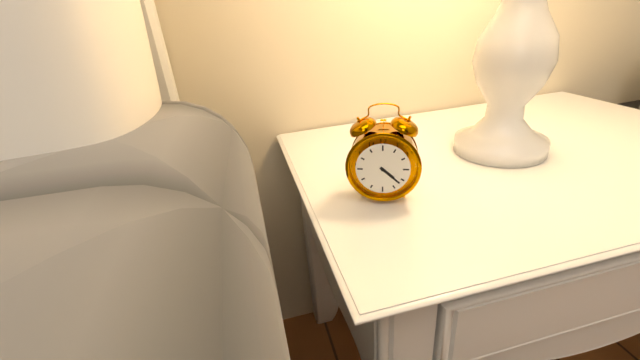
4:22
